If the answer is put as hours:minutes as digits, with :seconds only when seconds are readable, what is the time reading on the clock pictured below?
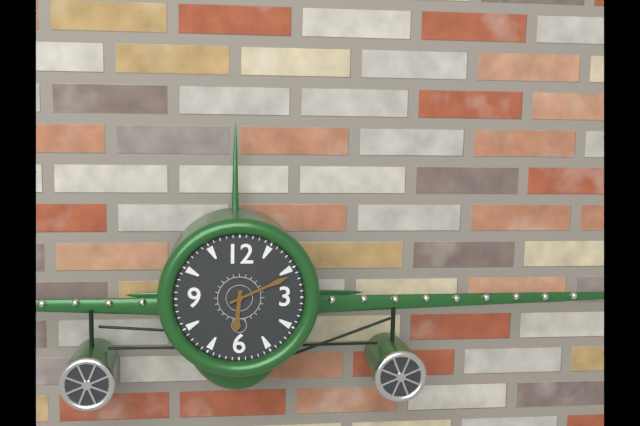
6:11
